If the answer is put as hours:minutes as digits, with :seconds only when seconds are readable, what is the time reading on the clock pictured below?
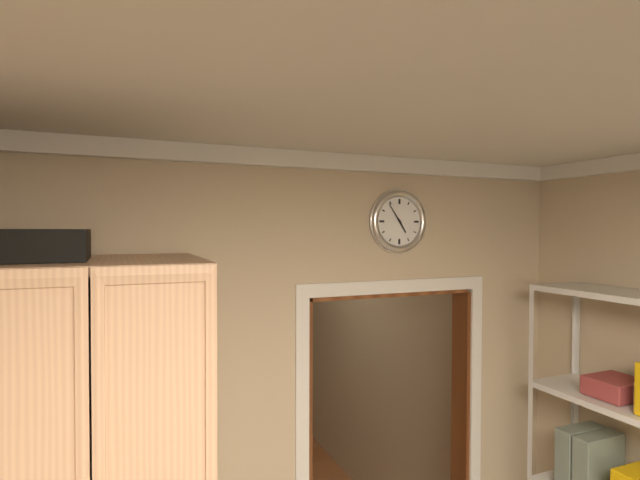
4:54
